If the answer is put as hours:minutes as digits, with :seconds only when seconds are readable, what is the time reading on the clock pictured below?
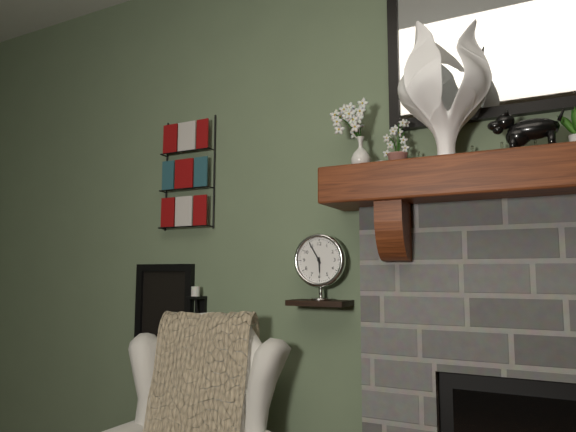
5:55
